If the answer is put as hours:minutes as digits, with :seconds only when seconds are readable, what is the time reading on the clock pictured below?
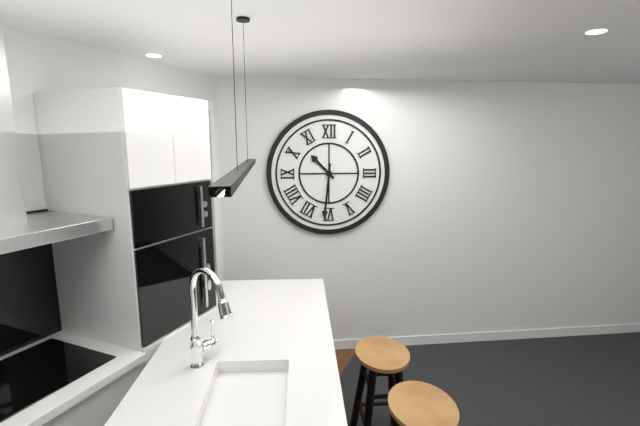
10:31
